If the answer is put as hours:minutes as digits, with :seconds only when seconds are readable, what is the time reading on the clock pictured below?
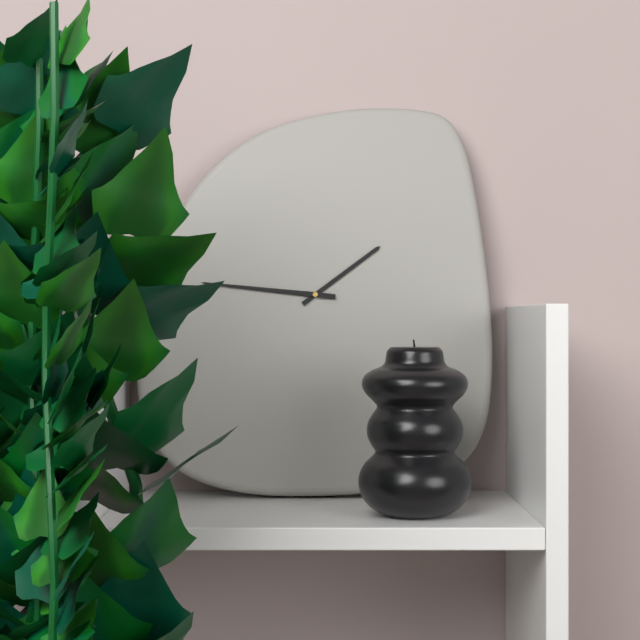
1:46
